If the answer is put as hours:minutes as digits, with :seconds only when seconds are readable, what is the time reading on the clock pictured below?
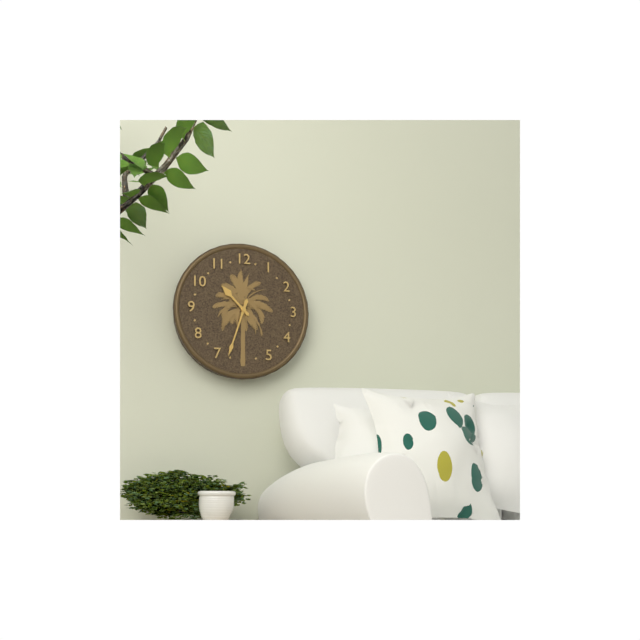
10:33
